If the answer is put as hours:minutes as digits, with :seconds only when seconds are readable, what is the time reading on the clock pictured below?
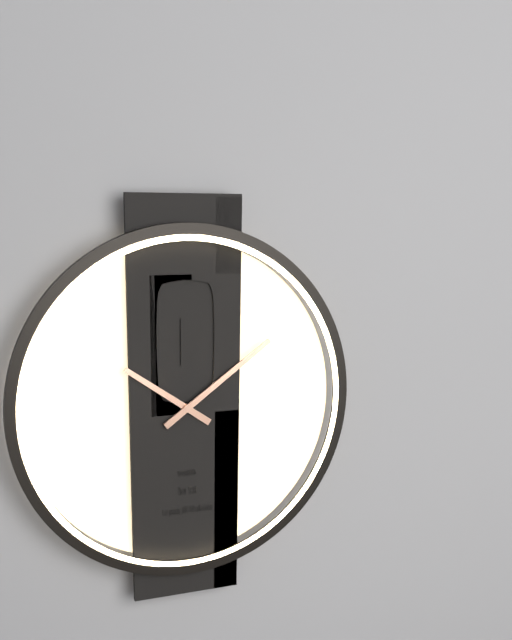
10:09
